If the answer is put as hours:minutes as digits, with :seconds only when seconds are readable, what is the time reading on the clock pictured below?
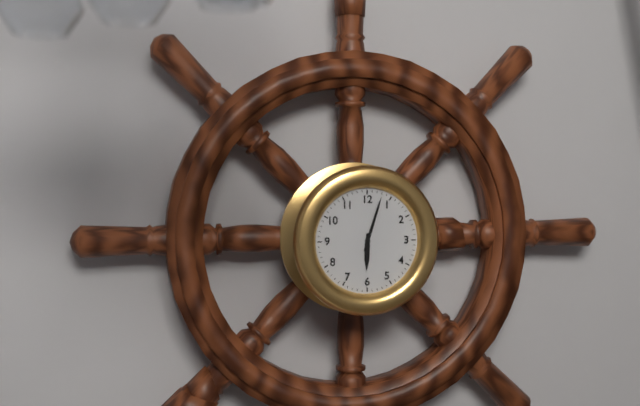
6:03
